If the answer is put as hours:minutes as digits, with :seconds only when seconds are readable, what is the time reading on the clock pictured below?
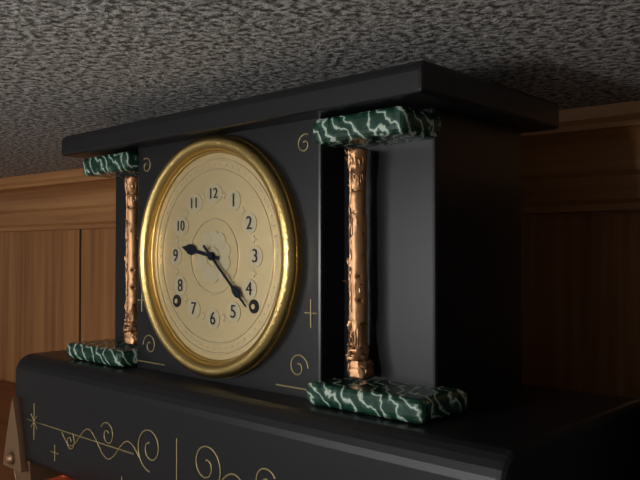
9:22
